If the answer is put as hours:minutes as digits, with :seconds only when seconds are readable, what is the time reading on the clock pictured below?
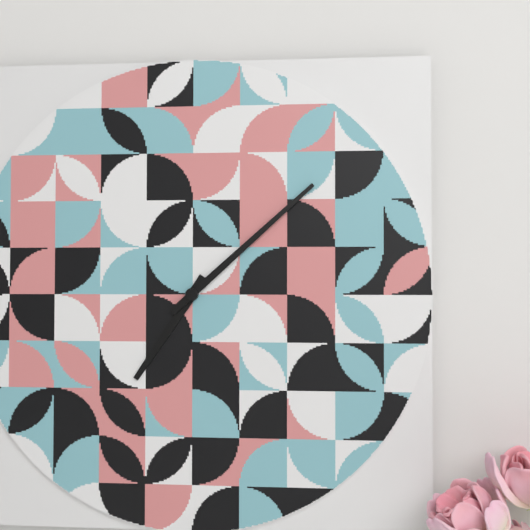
7:08
